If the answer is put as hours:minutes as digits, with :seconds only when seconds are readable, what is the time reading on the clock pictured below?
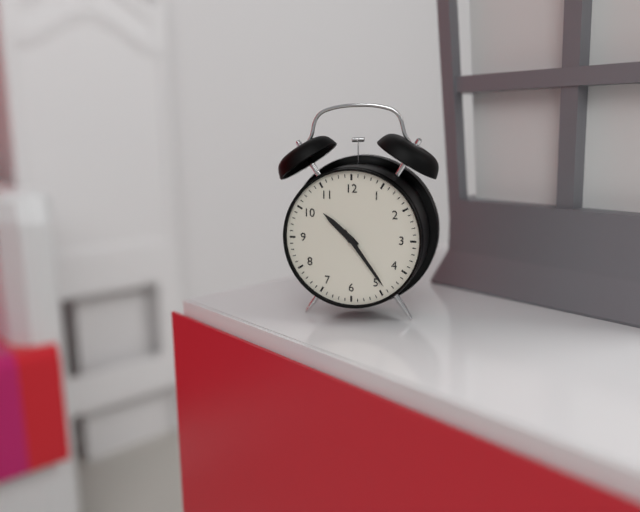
10:24
